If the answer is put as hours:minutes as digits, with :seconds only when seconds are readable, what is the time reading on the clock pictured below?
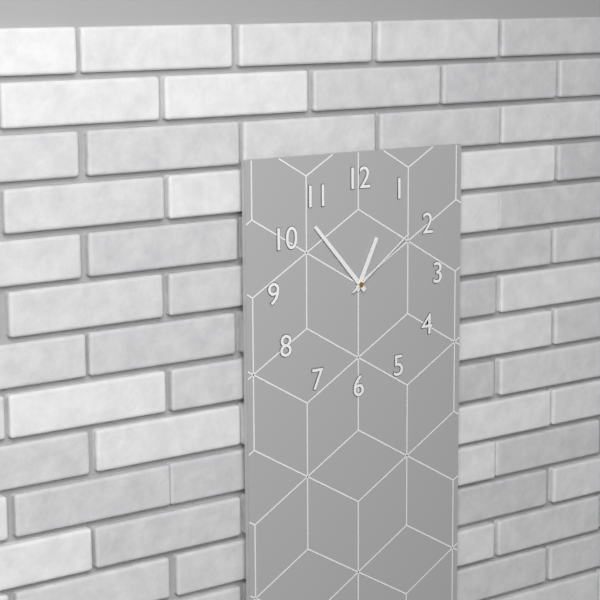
12:53:09
